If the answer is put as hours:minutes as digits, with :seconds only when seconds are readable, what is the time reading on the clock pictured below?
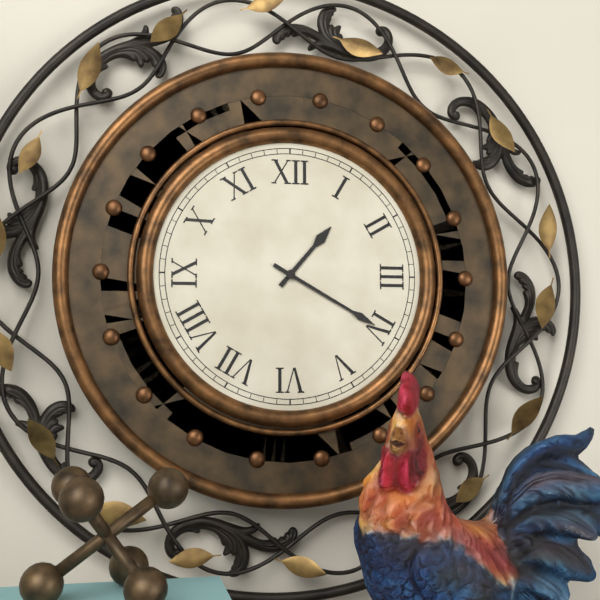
1:20
